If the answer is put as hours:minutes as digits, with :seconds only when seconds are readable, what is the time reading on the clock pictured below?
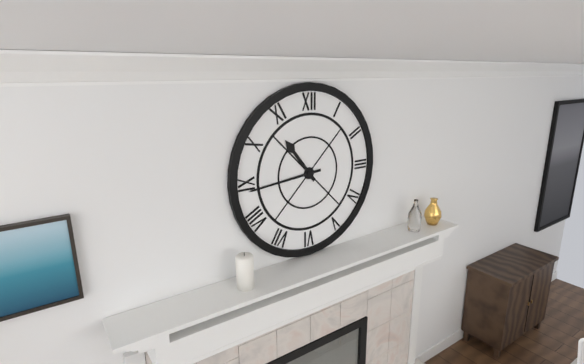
10:44
